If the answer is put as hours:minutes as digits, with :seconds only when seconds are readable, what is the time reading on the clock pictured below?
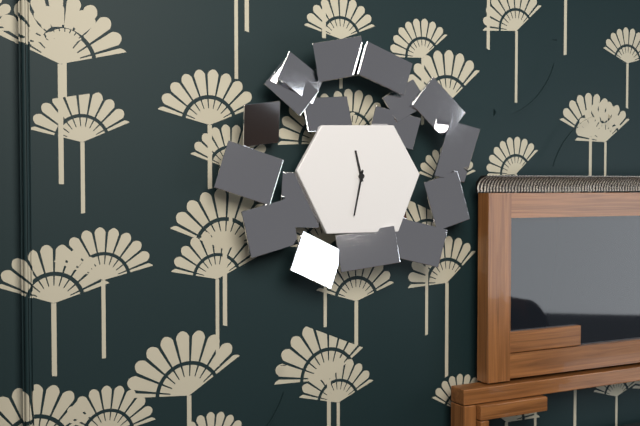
11:32
